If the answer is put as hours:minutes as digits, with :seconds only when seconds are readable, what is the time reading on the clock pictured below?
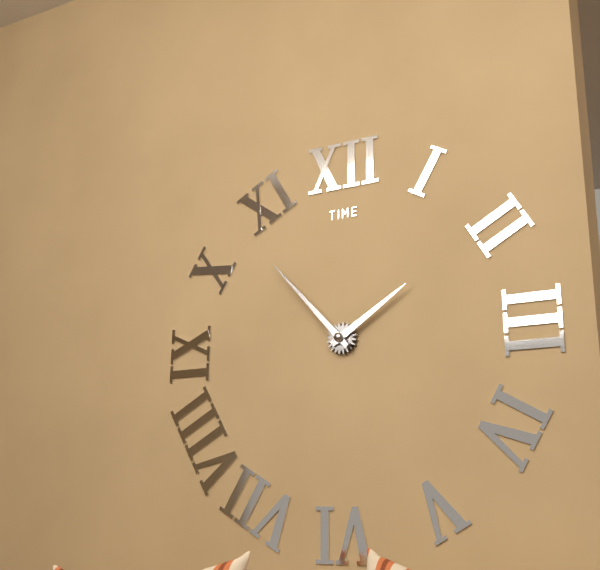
1:53
